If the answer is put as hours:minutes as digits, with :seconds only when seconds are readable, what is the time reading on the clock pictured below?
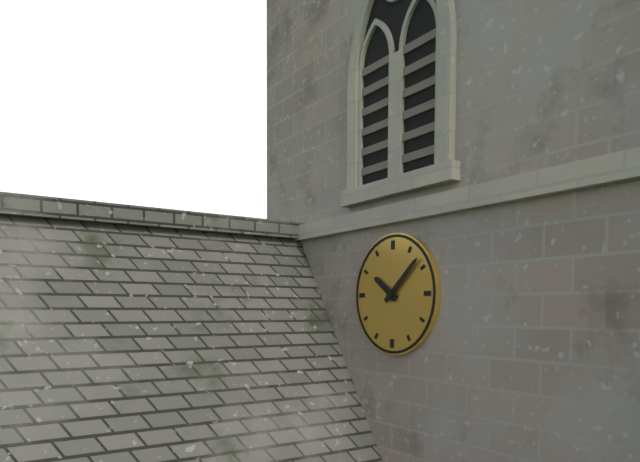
10:08
